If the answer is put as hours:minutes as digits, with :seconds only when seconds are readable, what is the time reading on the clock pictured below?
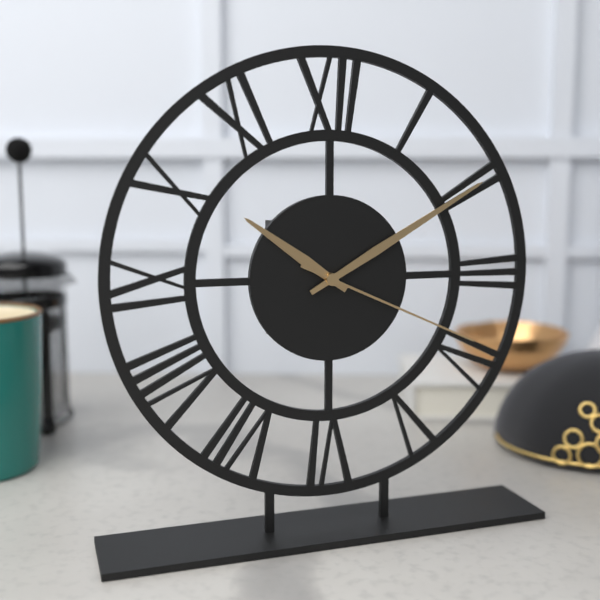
10:10:19
